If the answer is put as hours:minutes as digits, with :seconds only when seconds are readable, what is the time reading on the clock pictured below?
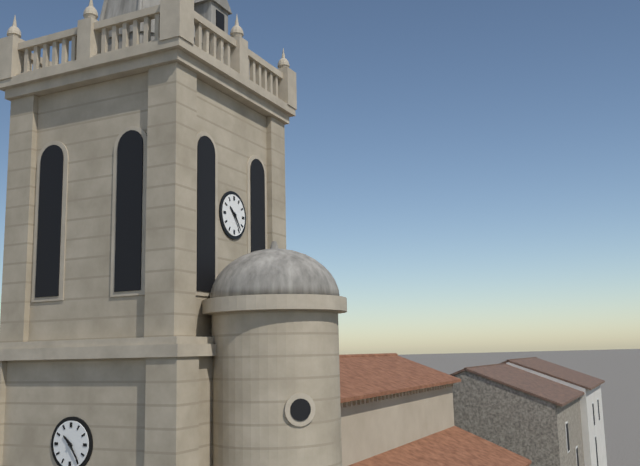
10:24
